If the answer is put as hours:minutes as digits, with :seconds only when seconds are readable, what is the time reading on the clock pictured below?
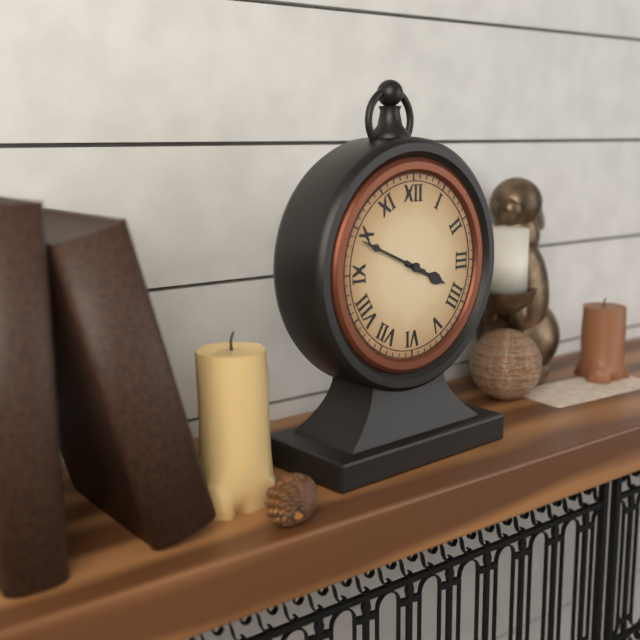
3:49
